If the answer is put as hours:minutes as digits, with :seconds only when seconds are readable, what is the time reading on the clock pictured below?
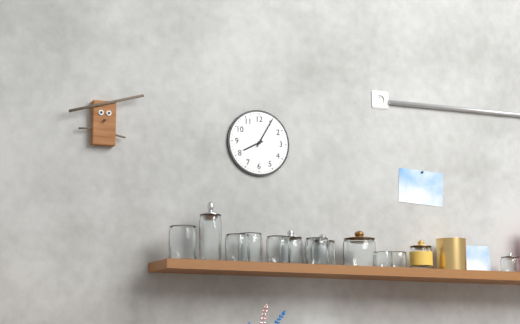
8:05
